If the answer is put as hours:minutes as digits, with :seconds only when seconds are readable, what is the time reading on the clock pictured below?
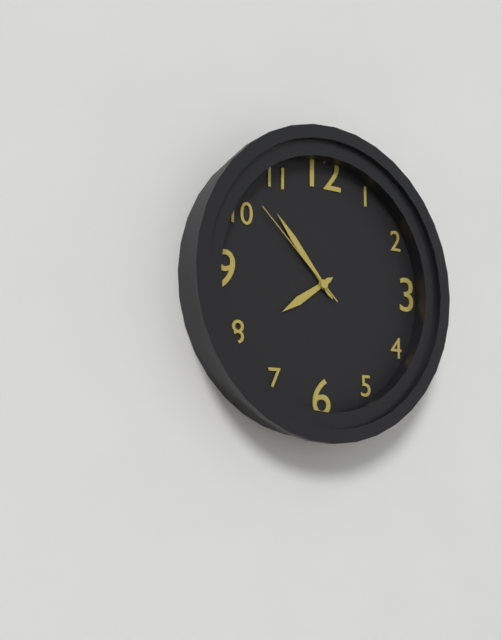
7:53:52
